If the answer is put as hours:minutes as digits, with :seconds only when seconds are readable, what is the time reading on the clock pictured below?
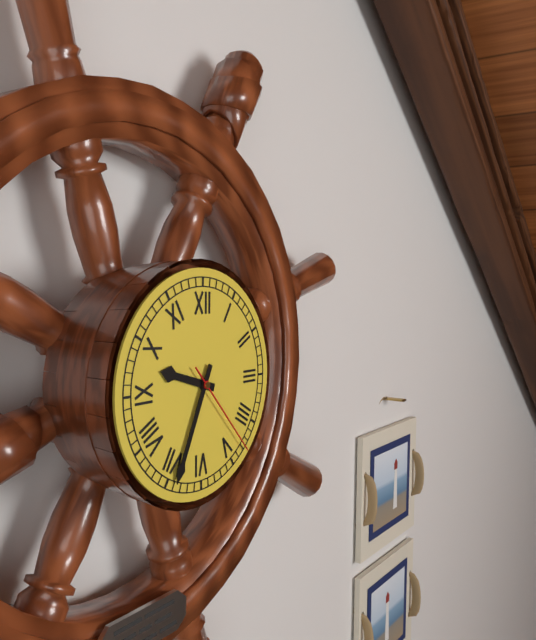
9:34:23
